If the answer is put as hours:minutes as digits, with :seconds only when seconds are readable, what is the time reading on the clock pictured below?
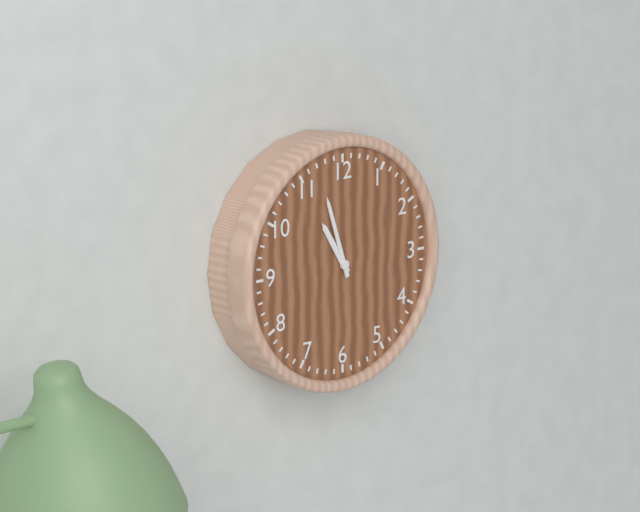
10:57
